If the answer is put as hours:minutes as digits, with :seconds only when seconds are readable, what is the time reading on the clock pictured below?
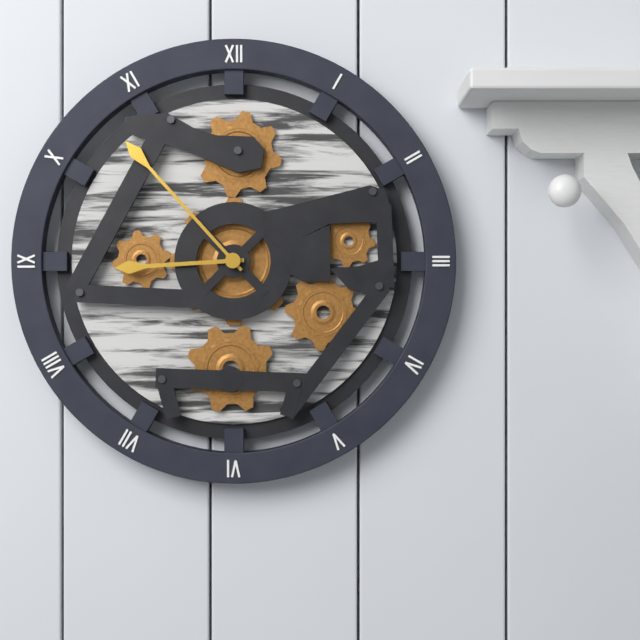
8:53
